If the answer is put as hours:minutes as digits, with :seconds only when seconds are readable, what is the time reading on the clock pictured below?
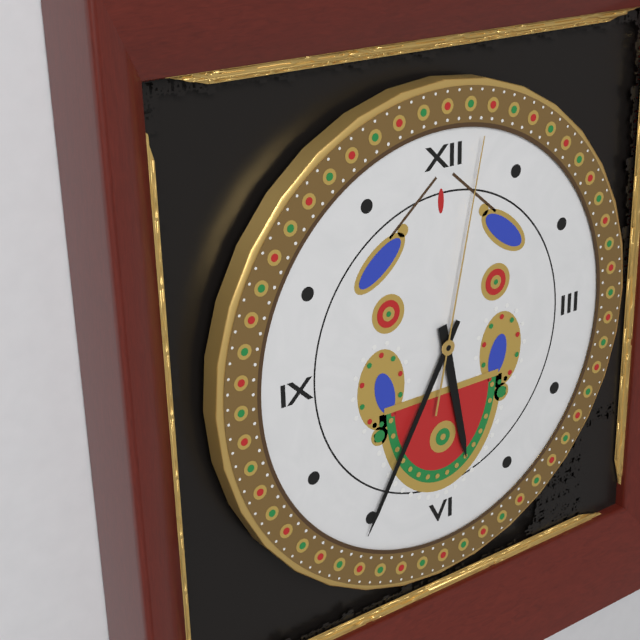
5:35:02
